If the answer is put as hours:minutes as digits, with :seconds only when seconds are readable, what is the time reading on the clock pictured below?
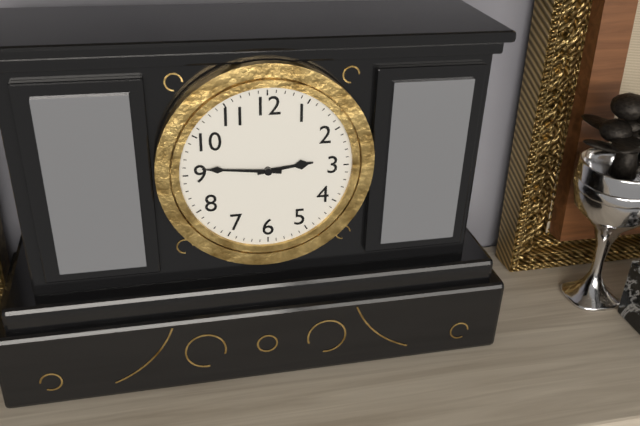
2:46
